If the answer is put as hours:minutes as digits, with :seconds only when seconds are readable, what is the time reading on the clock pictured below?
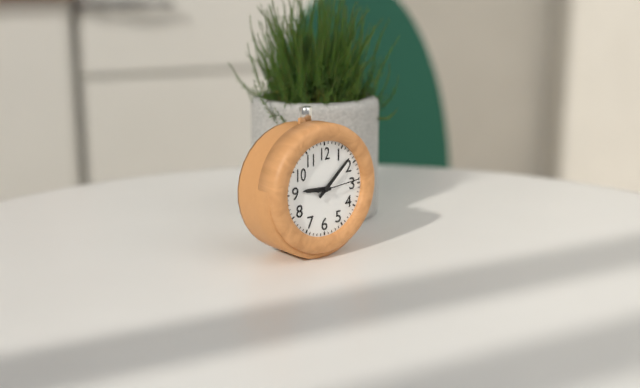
9:08
